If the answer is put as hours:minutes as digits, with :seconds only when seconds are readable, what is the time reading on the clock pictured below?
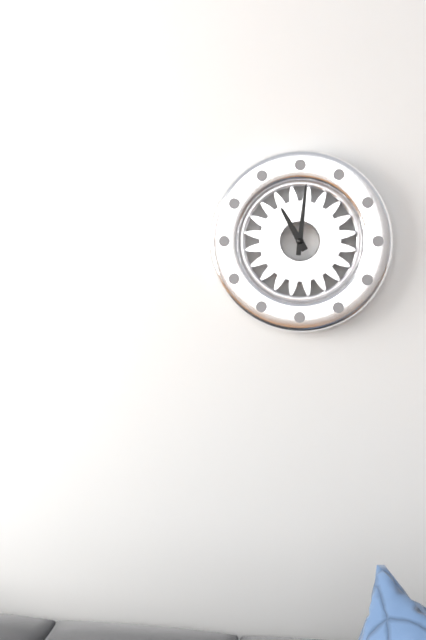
11:01
